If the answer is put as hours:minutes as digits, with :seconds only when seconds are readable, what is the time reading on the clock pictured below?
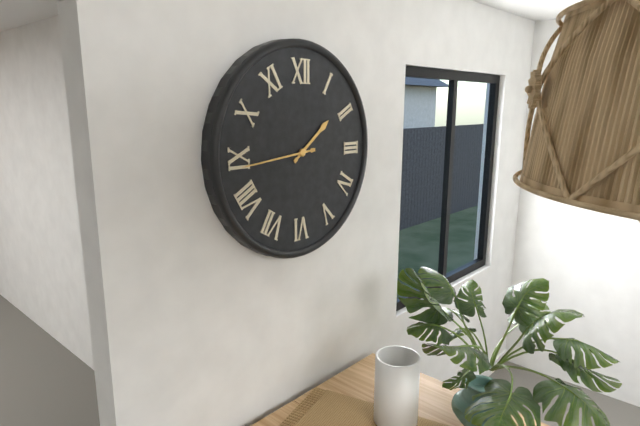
1:44
